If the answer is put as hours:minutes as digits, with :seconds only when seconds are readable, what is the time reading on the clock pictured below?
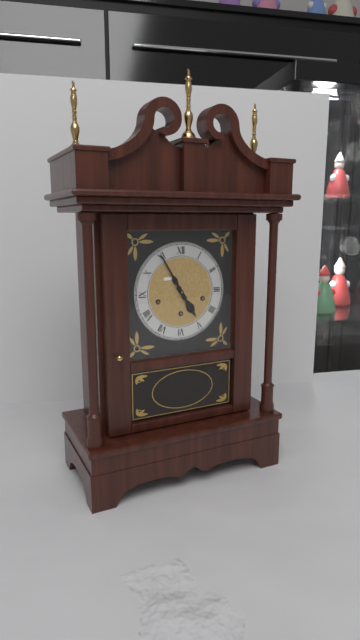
4:55
